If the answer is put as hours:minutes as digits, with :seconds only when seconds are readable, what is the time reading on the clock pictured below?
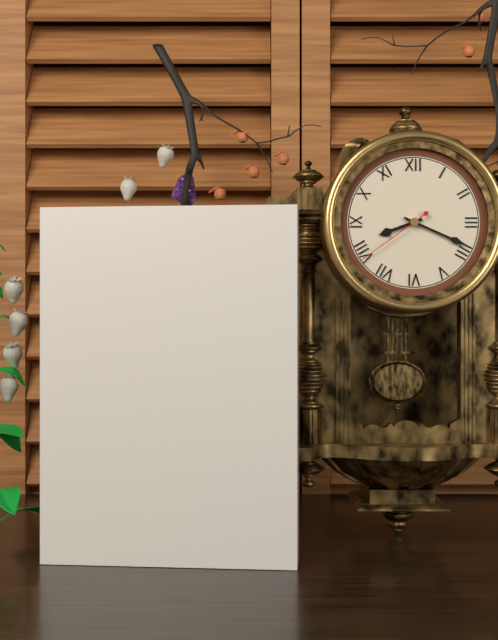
8:19:39
